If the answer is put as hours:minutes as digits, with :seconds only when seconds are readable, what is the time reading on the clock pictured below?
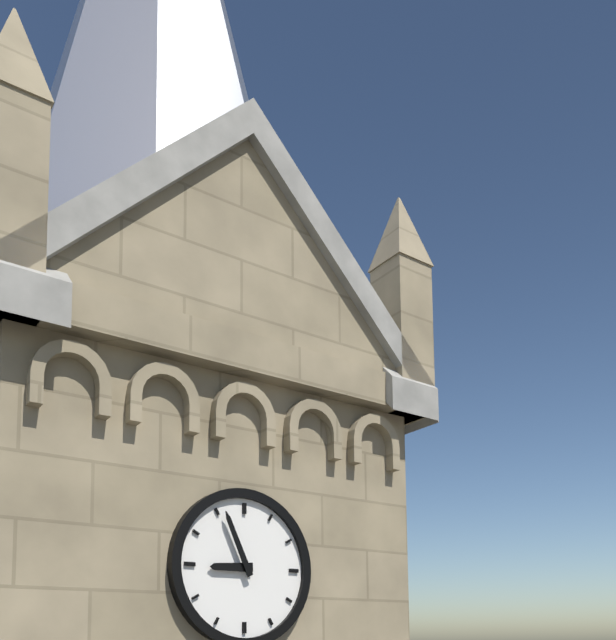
8:56
